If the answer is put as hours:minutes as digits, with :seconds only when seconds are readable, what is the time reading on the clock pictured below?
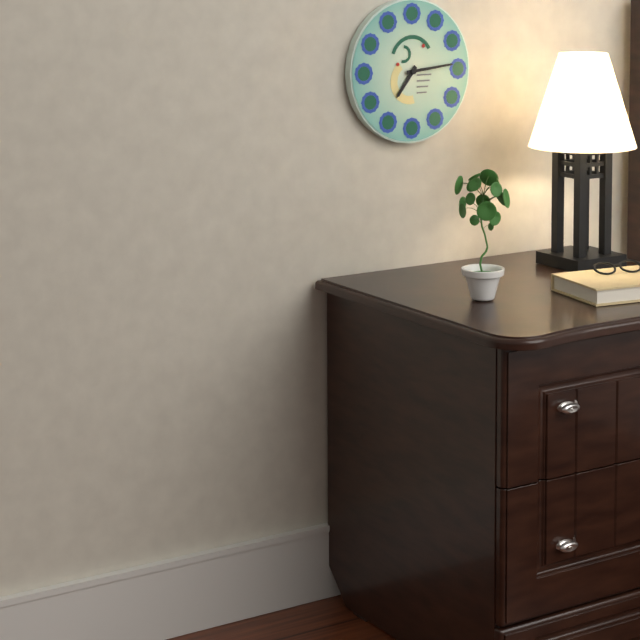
7:14
